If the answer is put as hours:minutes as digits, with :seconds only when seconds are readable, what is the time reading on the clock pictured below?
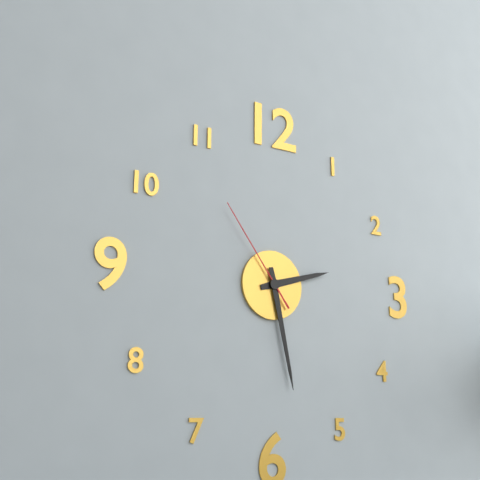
2:28:54
